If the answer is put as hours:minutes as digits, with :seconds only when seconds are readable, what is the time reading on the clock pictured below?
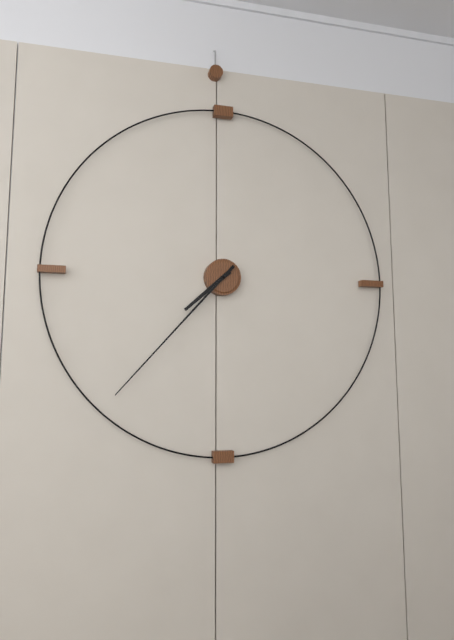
7:37
